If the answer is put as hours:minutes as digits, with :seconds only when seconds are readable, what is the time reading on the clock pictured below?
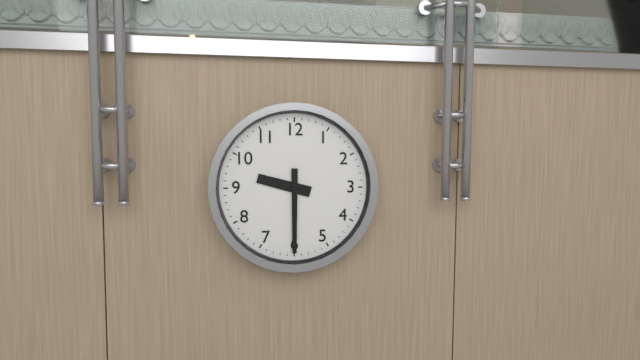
9:30
